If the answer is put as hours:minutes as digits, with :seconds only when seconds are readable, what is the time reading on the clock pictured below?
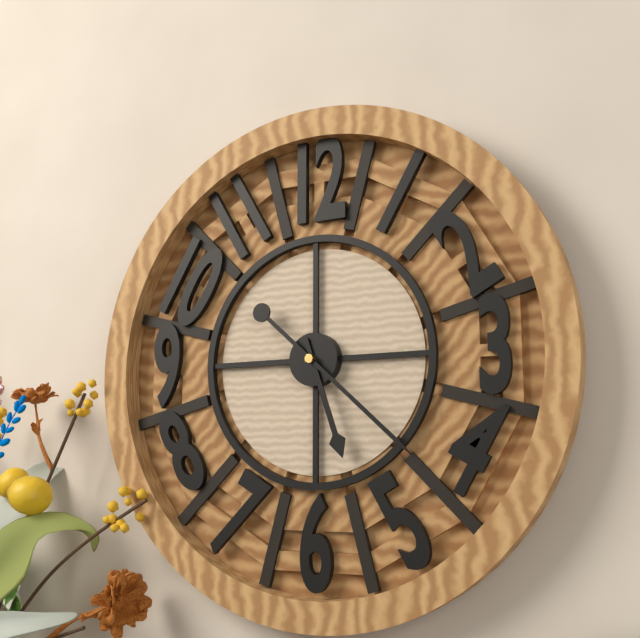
5:22
